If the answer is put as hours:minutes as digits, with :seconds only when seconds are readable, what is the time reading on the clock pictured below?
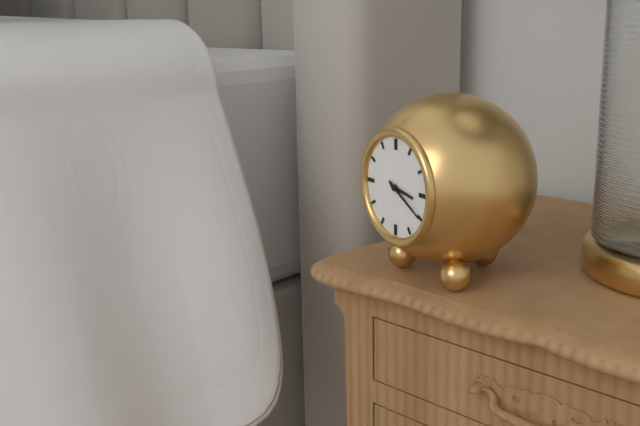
3:20
